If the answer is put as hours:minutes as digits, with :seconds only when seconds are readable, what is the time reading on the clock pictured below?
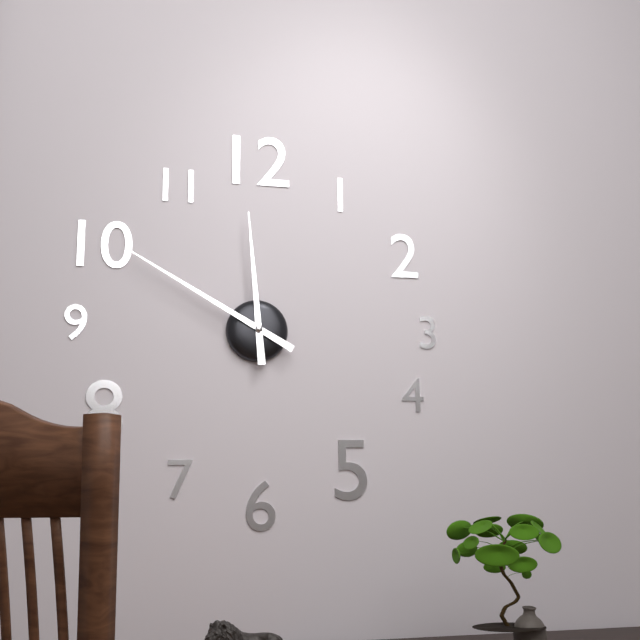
11:50
